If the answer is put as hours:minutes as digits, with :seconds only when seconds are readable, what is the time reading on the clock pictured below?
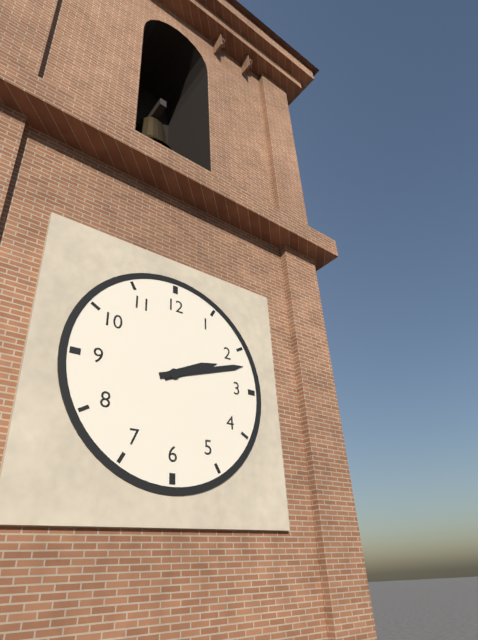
2:12
